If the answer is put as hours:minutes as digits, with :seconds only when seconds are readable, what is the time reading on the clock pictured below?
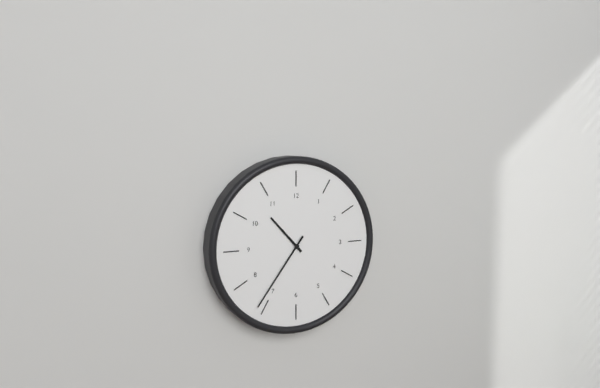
10:36
